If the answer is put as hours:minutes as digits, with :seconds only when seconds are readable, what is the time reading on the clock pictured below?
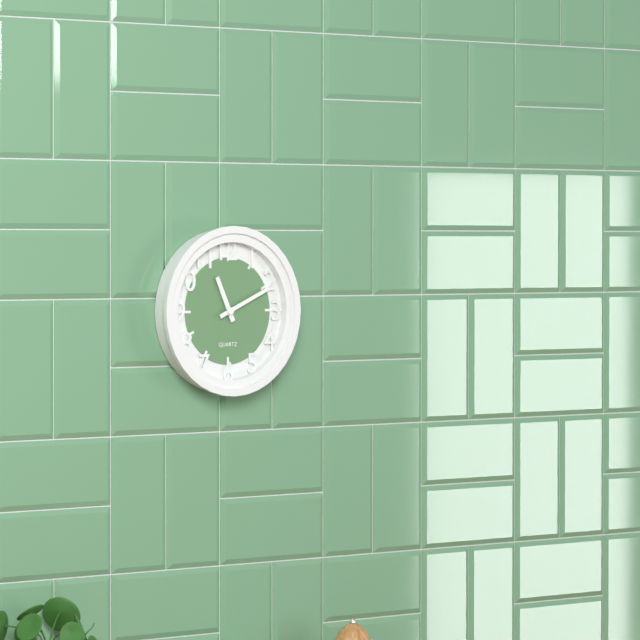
11:11
